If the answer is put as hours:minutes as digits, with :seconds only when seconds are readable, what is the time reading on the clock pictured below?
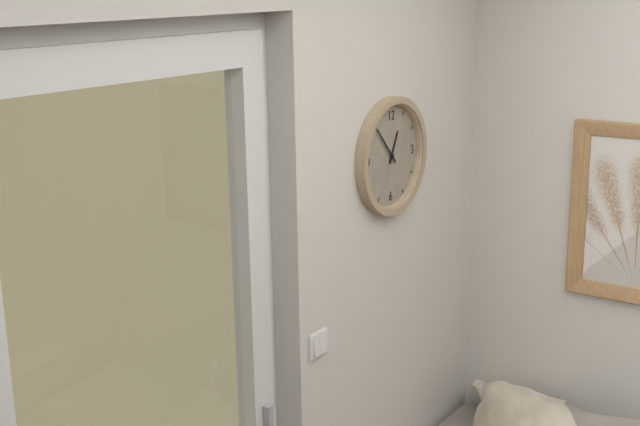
12:53
